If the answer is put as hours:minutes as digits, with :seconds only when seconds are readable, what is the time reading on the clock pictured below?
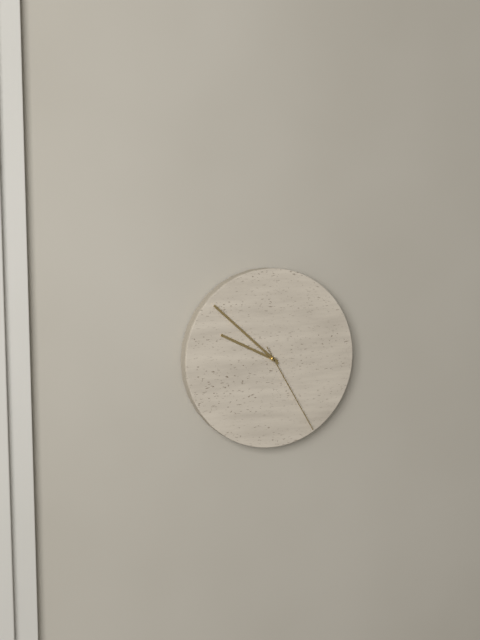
9:52:25
